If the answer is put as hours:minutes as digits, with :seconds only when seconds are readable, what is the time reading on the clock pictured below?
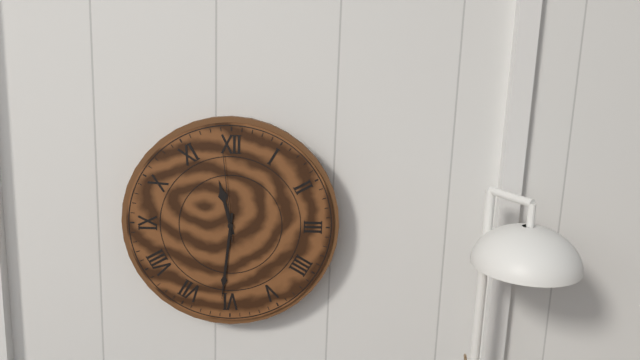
11:31:59
